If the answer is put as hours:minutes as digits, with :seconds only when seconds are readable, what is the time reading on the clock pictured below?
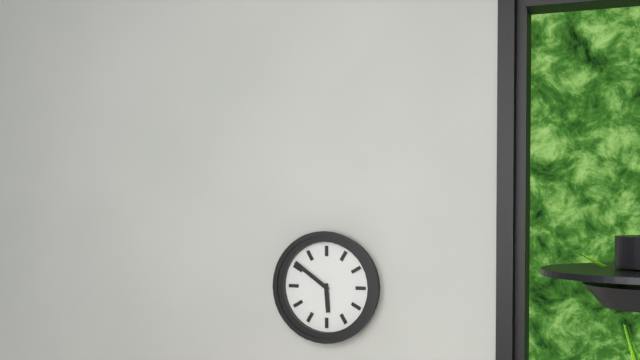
5:51
